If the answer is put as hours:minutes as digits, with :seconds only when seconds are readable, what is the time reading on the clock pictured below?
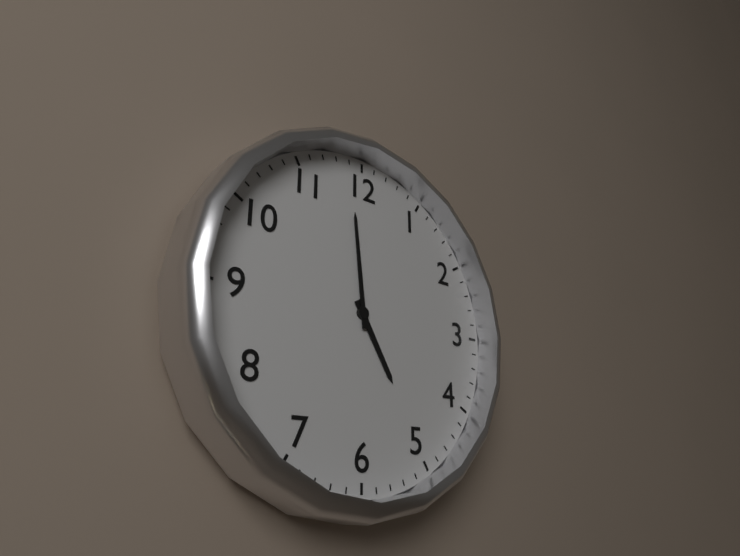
4:59
